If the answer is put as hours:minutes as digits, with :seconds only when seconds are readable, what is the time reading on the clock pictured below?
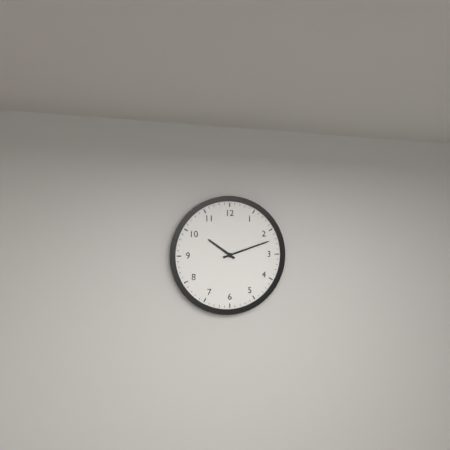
10:12
